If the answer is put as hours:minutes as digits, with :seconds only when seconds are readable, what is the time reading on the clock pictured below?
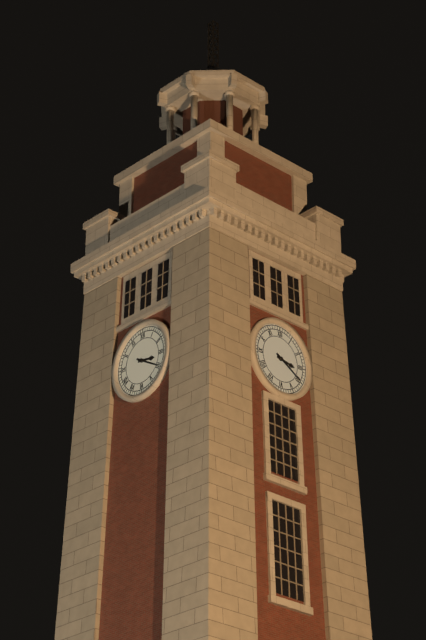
3:20
